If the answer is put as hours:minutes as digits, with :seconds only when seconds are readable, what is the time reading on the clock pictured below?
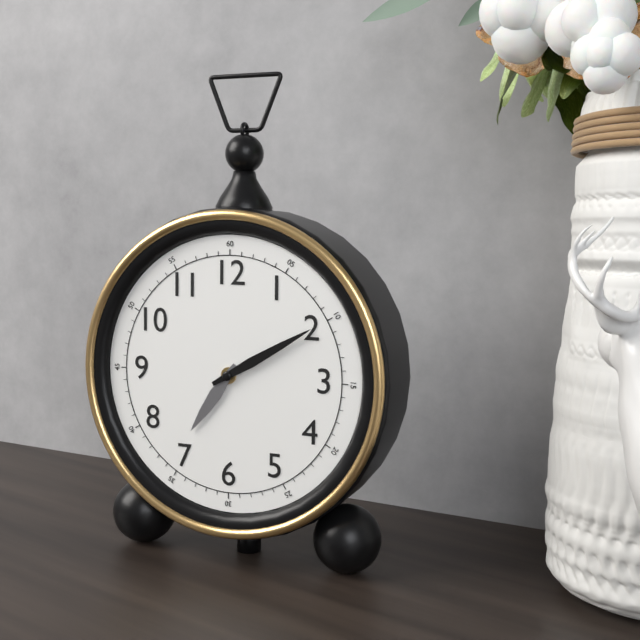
7:10
